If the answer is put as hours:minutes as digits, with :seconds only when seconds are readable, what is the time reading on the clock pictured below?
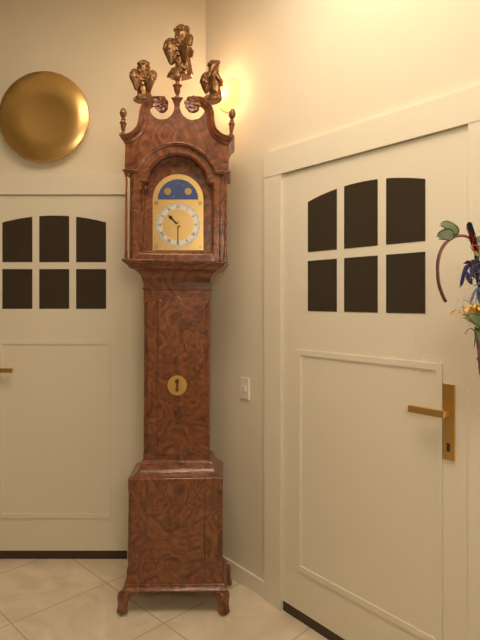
10:30
